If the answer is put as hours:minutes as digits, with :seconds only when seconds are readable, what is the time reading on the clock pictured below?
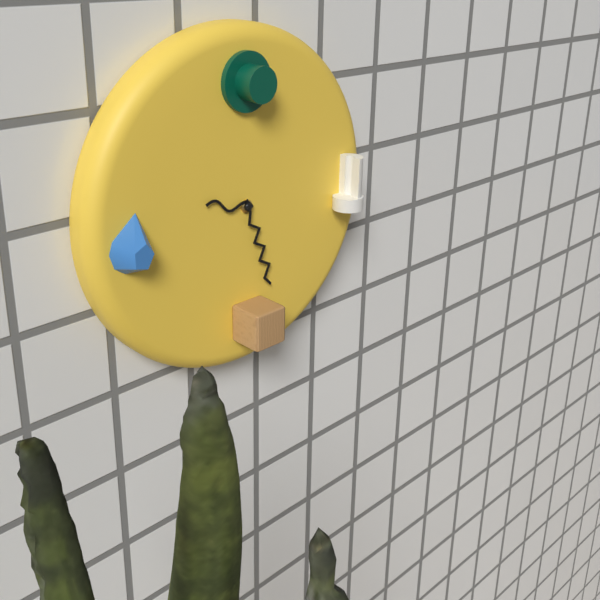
9:27
